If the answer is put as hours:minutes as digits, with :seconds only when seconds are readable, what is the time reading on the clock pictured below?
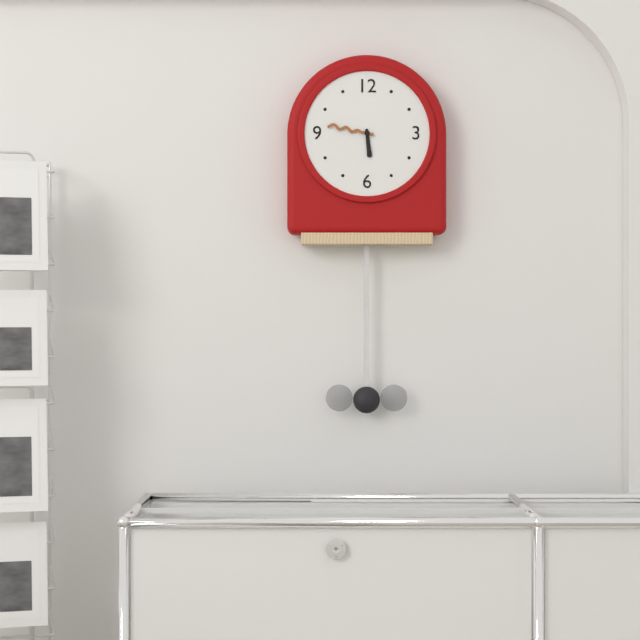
5:47
